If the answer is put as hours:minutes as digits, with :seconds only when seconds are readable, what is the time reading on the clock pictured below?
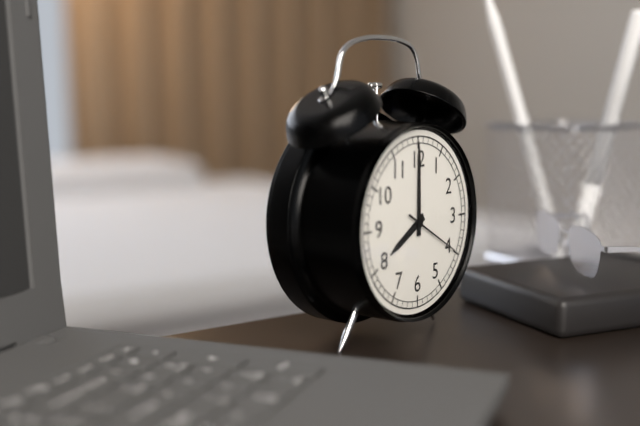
8:00:20
